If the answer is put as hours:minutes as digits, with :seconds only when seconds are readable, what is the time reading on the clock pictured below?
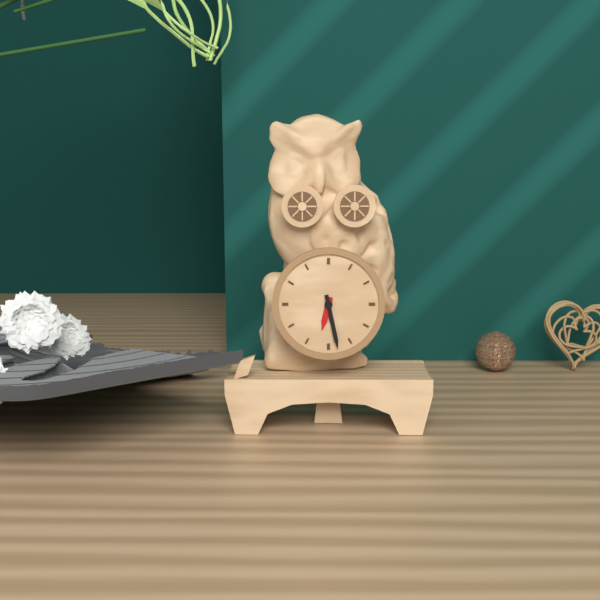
6:28
